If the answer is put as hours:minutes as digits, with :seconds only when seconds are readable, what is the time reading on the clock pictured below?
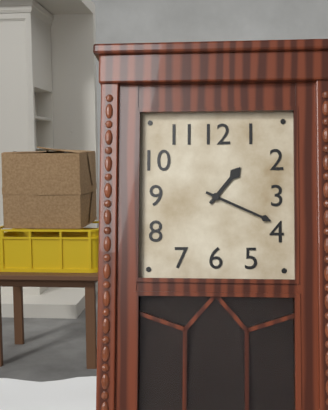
1:19
